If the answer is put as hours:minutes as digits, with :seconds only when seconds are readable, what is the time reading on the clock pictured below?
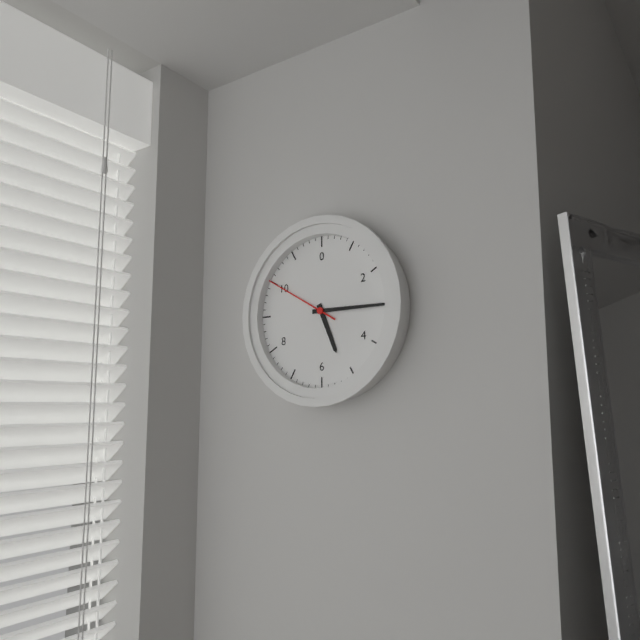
5:15:50
